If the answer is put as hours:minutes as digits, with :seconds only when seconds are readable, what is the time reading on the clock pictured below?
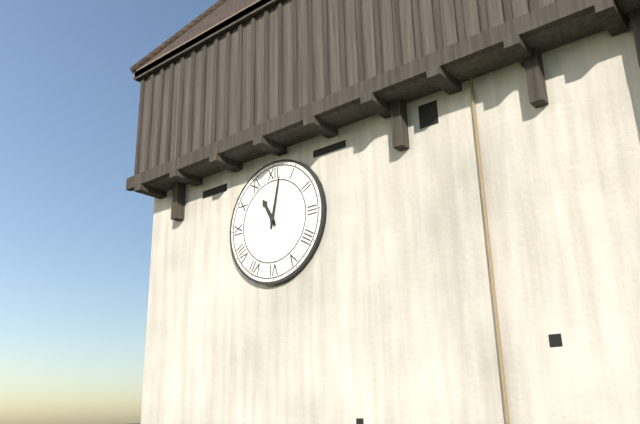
11:02
